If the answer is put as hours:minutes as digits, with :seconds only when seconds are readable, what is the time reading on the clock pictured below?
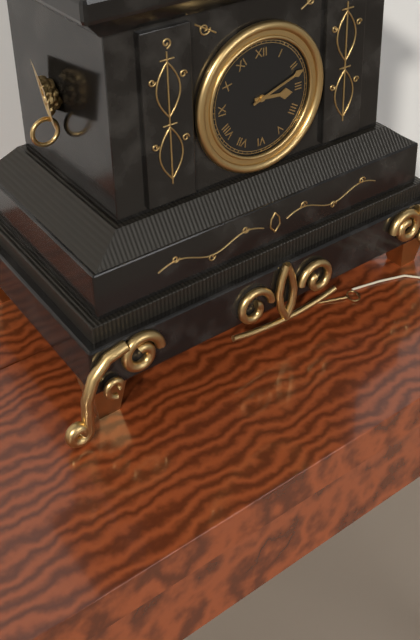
3:12
